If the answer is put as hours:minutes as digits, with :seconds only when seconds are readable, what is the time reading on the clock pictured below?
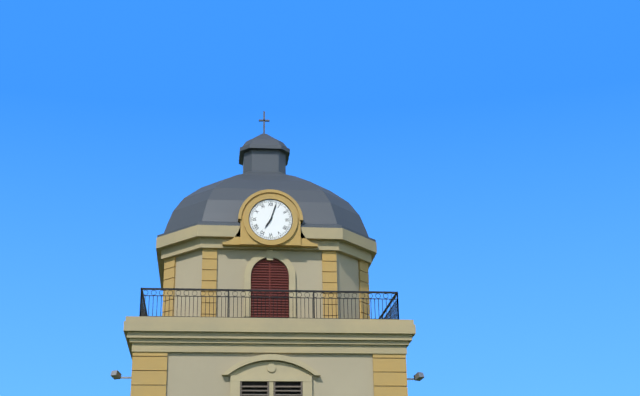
7:03
